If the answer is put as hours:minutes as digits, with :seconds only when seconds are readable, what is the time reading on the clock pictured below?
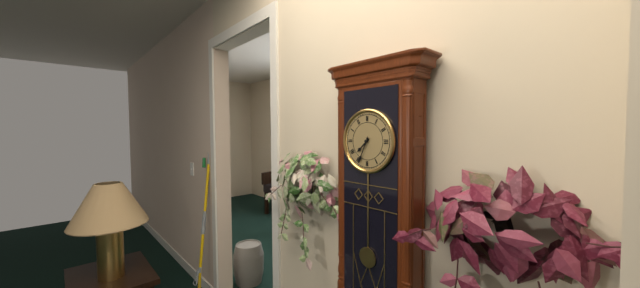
7:34
